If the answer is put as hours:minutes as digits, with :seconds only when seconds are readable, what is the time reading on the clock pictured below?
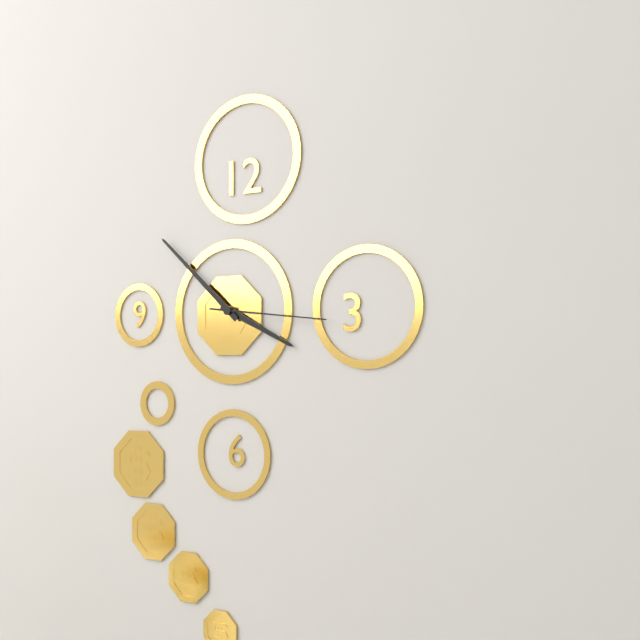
3:52:16
